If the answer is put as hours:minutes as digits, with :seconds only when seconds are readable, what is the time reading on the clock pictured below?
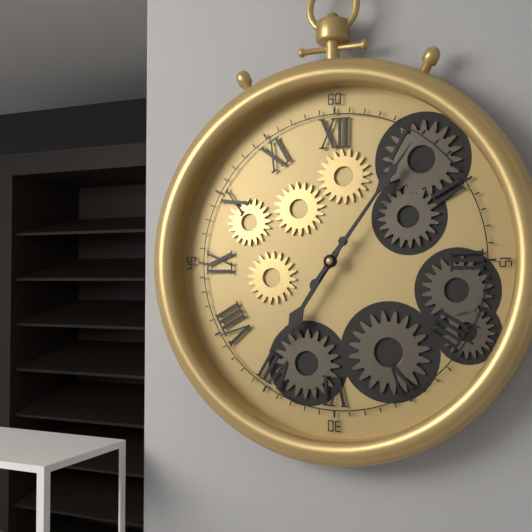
7:06
